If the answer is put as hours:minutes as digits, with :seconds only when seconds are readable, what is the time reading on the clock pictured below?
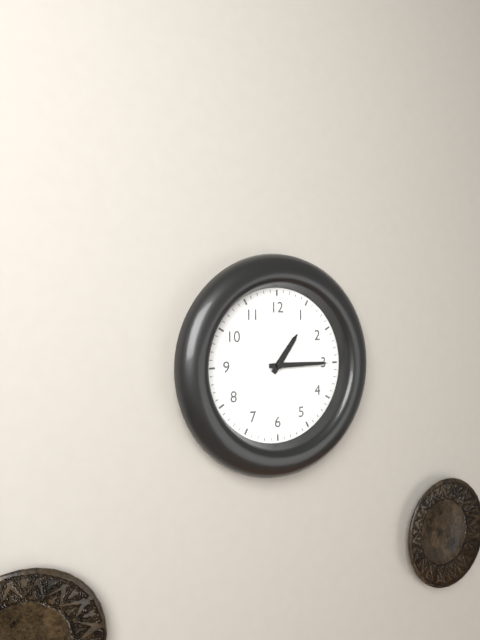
1:15
